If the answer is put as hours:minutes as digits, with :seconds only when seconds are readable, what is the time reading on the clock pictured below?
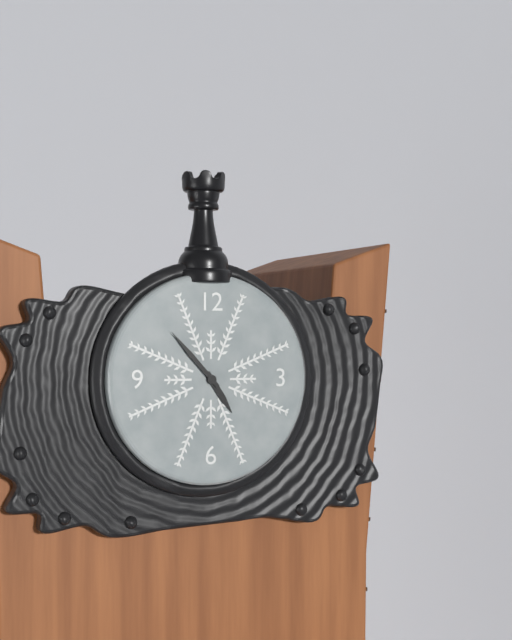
4:53
